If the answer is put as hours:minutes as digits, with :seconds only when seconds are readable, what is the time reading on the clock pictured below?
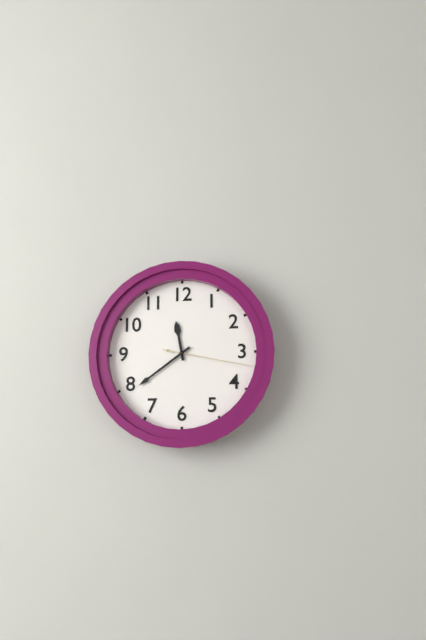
11:39:17
